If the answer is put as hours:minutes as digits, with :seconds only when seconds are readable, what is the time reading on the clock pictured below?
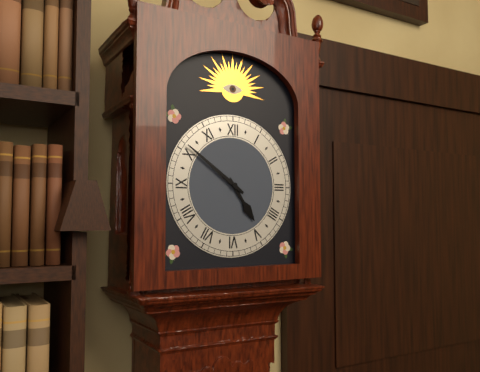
4:51
